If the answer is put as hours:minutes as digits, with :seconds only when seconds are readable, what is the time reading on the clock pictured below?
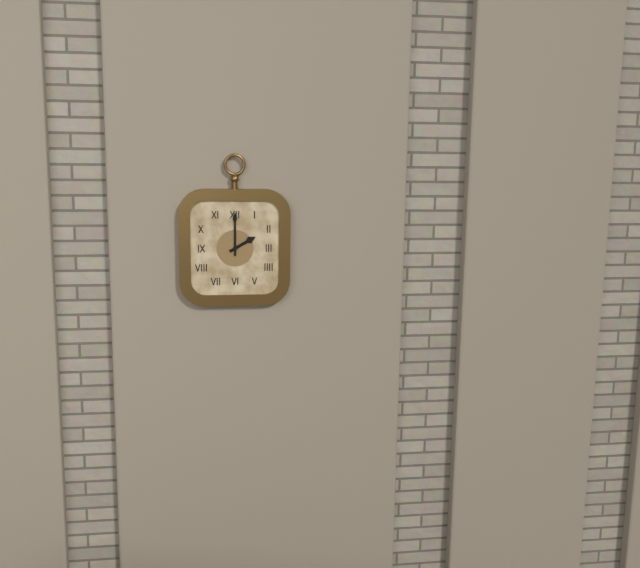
2:00
